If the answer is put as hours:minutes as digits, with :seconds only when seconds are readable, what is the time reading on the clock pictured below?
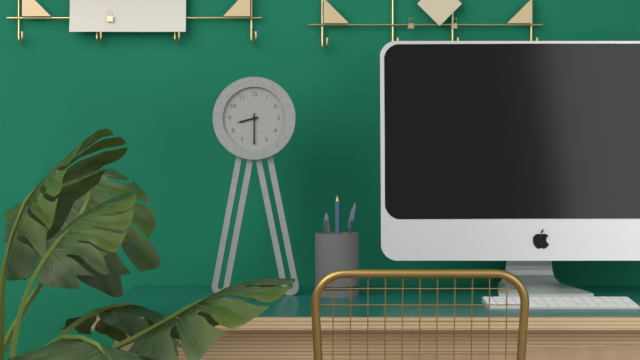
8:30
